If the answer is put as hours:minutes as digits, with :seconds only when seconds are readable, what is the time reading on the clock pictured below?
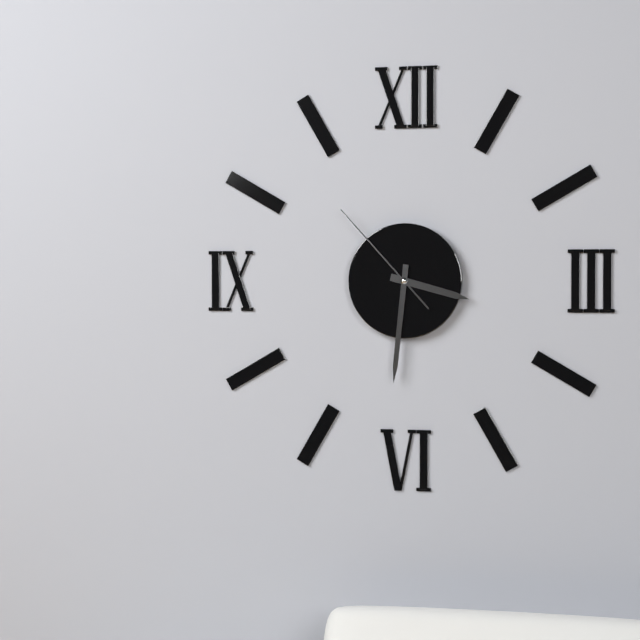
3:31:53
